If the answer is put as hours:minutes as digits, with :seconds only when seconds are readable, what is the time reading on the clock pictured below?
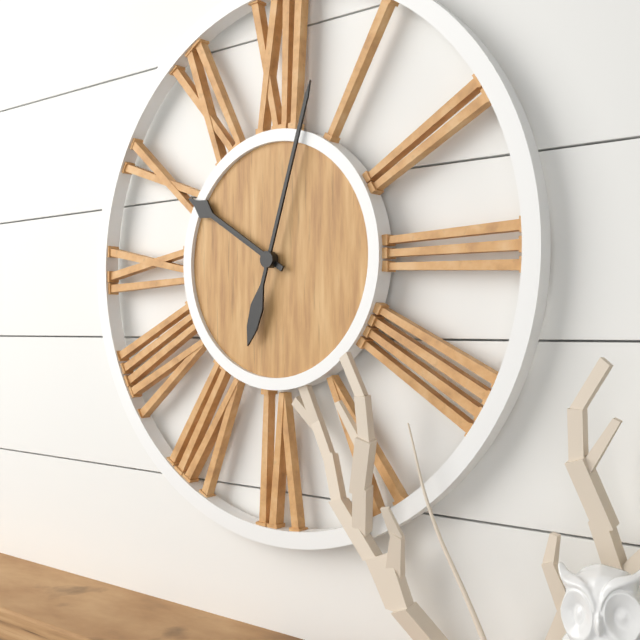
10:03
